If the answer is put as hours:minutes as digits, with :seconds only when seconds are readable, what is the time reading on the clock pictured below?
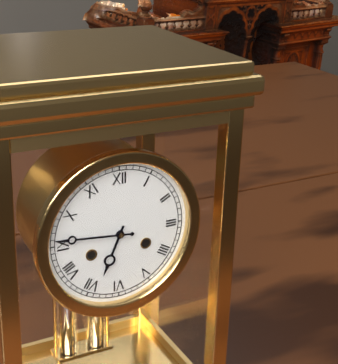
6:46
